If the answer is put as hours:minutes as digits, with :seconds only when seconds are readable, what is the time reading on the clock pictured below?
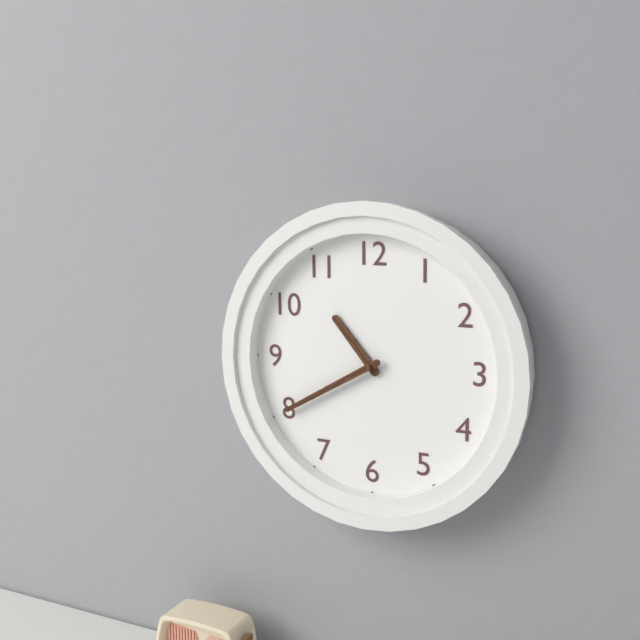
10:40
